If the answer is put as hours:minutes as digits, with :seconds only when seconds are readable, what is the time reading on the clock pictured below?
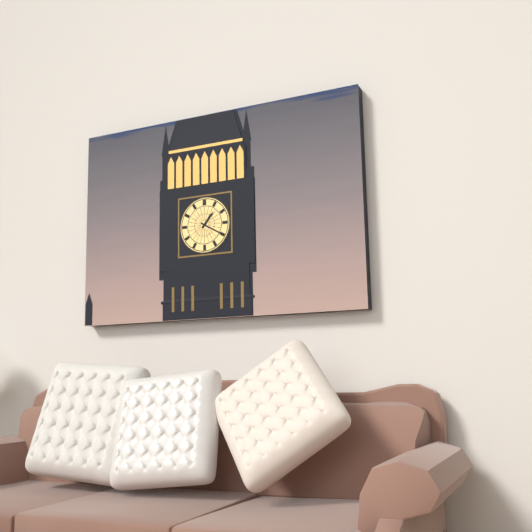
1:20
